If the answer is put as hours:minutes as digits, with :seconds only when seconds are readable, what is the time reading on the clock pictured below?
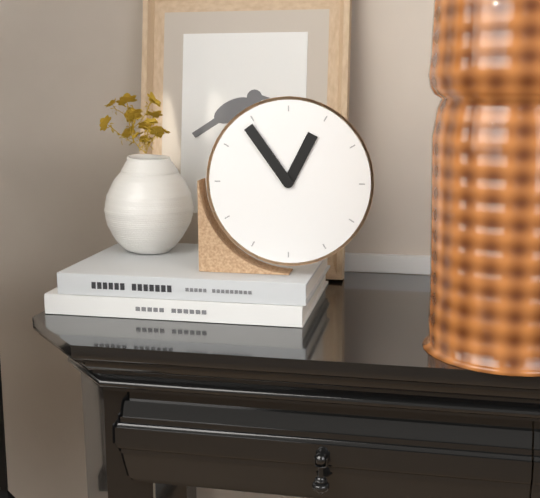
12:54
